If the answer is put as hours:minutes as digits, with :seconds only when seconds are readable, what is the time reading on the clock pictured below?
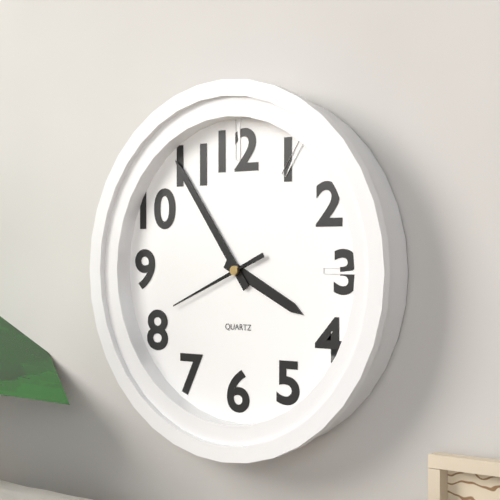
3:54:41
